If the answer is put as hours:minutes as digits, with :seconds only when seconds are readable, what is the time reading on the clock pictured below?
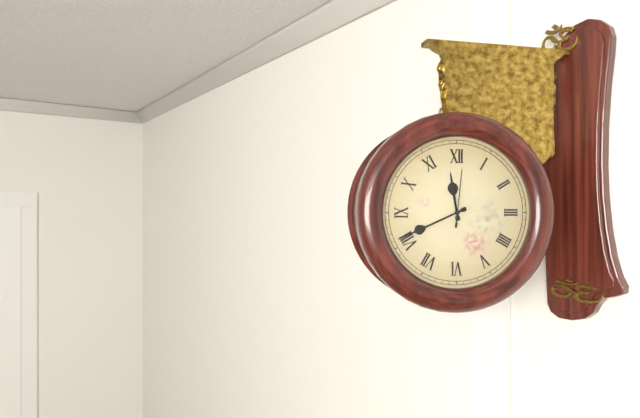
11:41:01
